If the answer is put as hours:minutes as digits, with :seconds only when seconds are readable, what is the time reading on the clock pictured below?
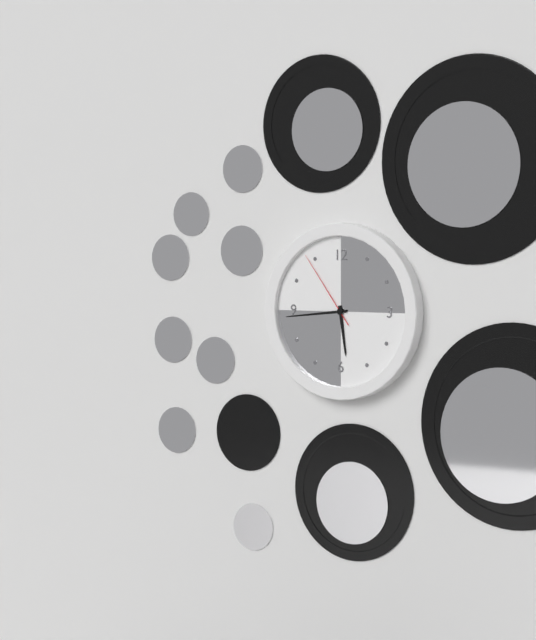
5:44:54
